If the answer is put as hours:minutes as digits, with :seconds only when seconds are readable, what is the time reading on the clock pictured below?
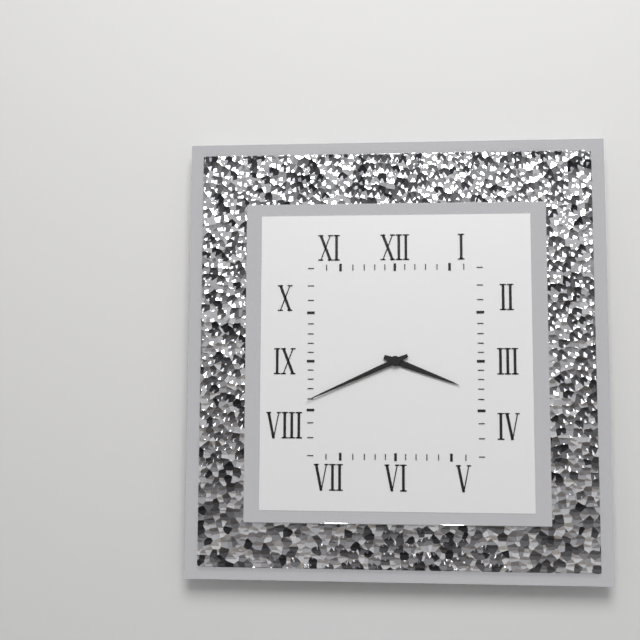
3:41
